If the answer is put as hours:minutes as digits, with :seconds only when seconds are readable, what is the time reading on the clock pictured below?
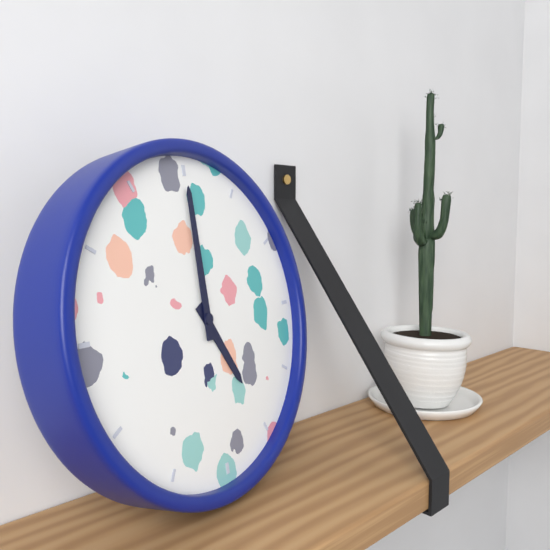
5:00
